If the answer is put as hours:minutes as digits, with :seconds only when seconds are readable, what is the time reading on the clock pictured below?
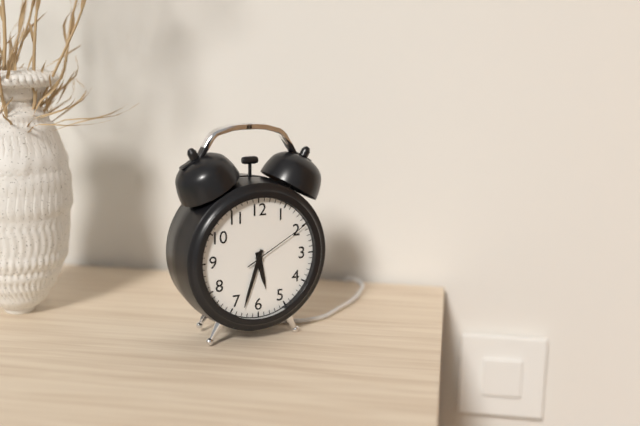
5:33:10
